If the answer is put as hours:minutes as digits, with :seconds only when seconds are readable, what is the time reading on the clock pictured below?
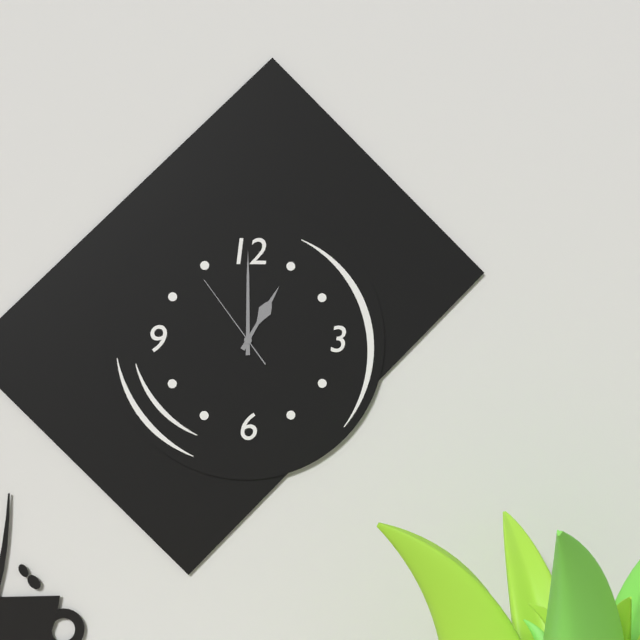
1:00:54
